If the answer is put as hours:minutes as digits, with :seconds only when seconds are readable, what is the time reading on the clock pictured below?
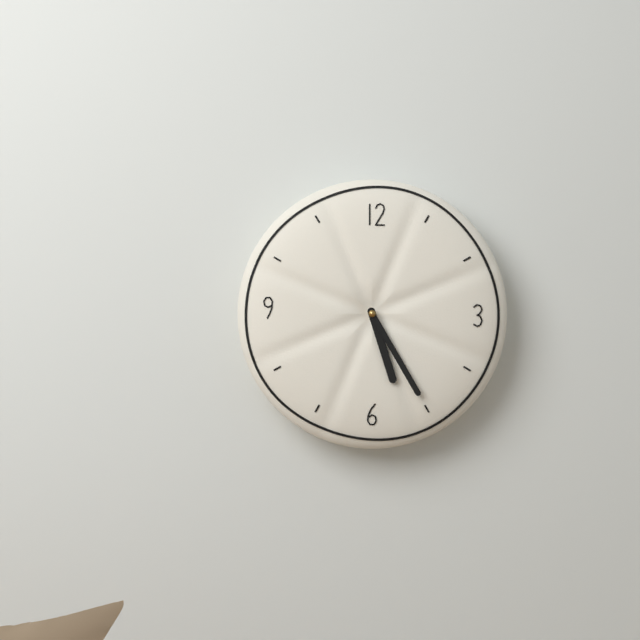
5:25
